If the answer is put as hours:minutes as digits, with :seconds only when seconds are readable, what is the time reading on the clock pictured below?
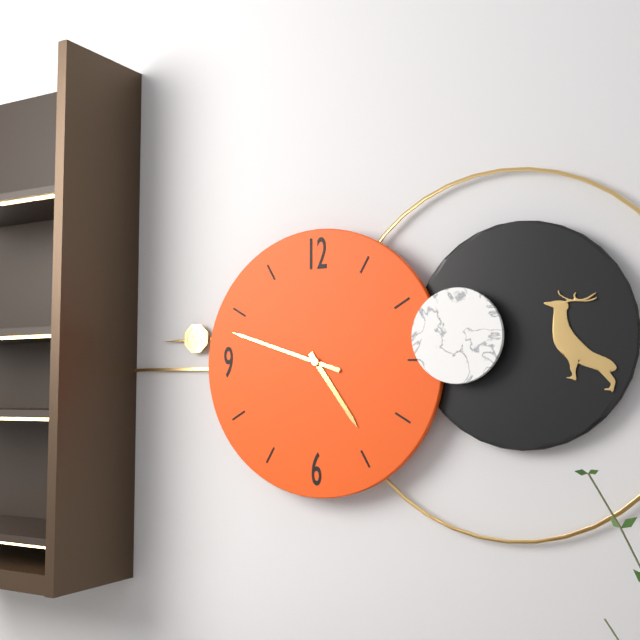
4:48
